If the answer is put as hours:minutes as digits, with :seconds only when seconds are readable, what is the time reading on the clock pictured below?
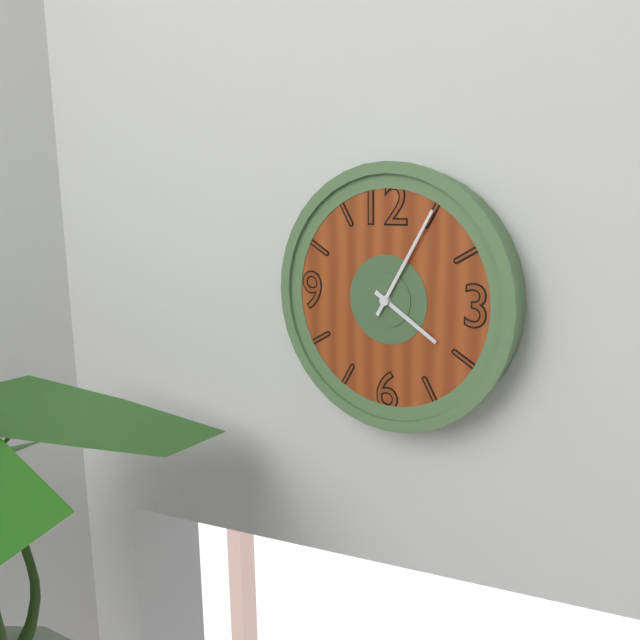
4:05
